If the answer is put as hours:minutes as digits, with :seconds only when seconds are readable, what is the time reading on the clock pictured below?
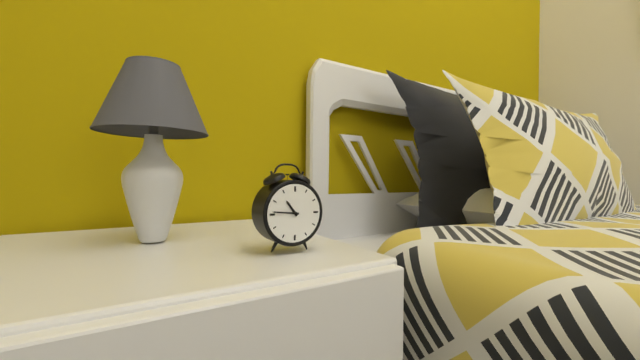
10:46
